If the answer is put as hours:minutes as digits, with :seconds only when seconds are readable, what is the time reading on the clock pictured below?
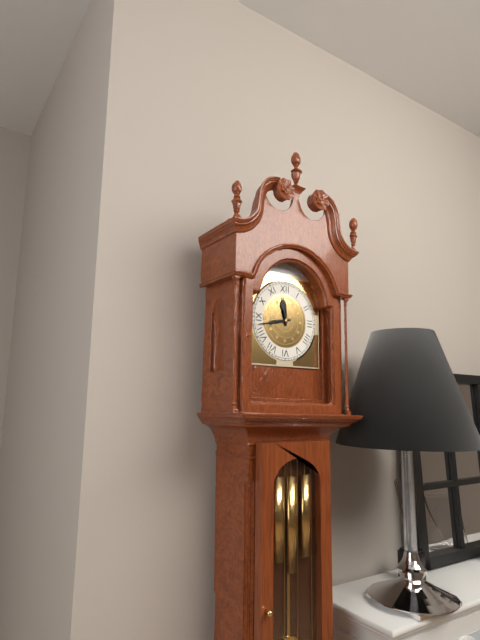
11:43
